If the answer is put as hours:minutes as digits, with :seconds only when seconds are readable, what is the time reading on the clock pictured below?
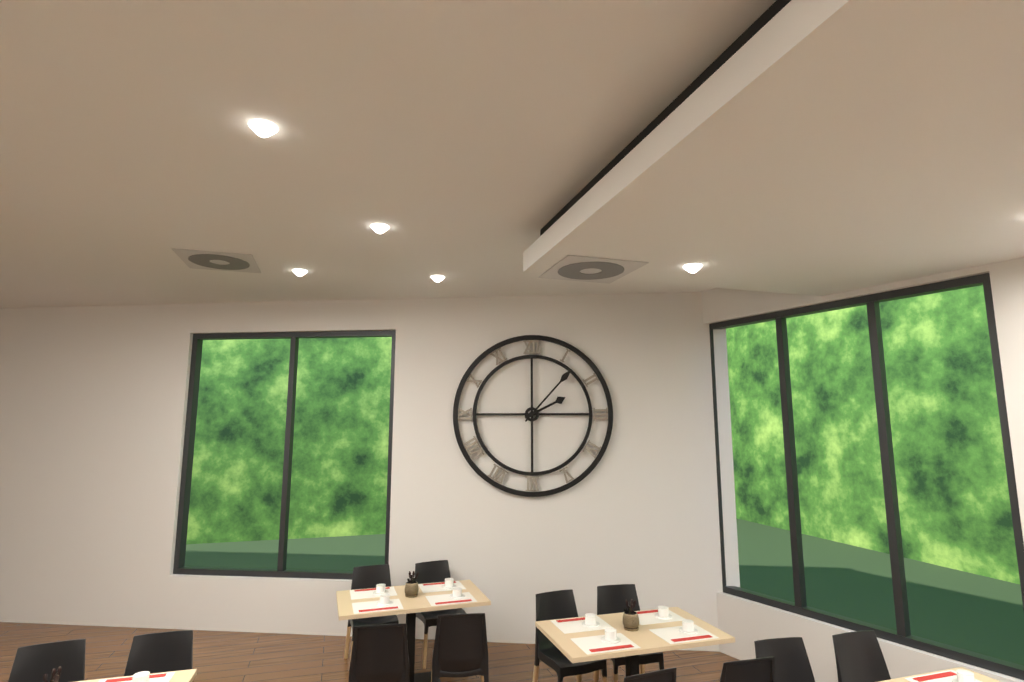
2:07
